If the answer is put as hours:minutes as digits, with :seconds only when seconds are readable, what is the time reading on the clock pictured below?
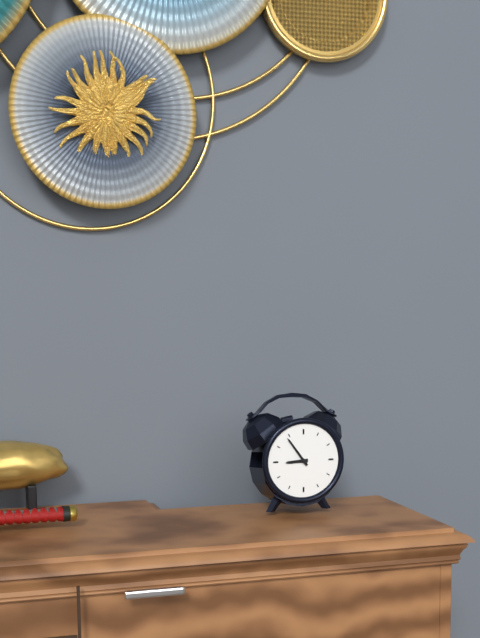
8:54
